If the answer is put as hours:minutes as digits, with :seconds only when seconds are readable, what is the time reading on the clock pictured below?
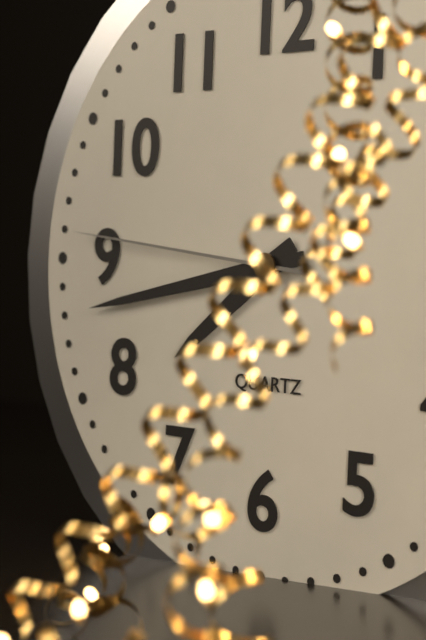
7:43:46
